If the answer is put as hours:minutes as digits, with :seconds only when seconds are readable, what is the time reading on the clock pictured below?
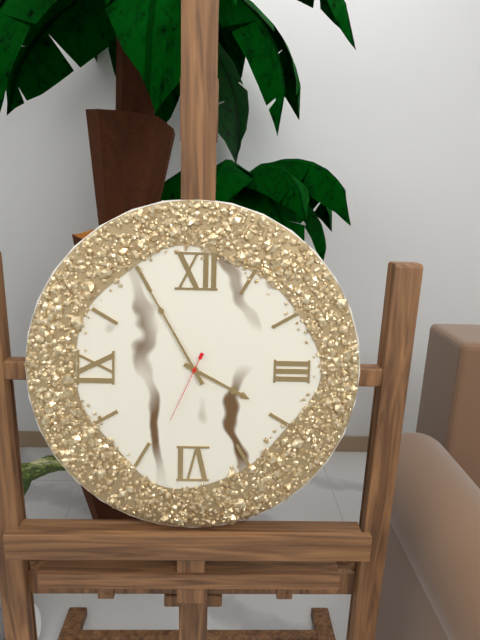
3:55:34
